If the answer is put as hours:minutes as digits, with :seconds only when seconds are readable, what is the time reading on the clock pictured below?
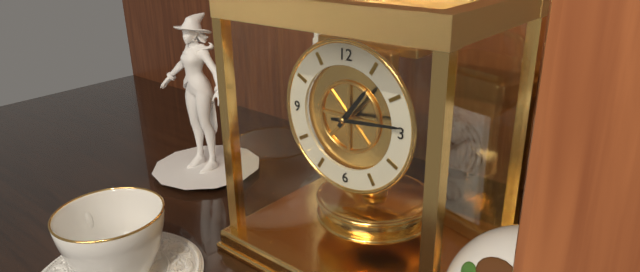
1:14
